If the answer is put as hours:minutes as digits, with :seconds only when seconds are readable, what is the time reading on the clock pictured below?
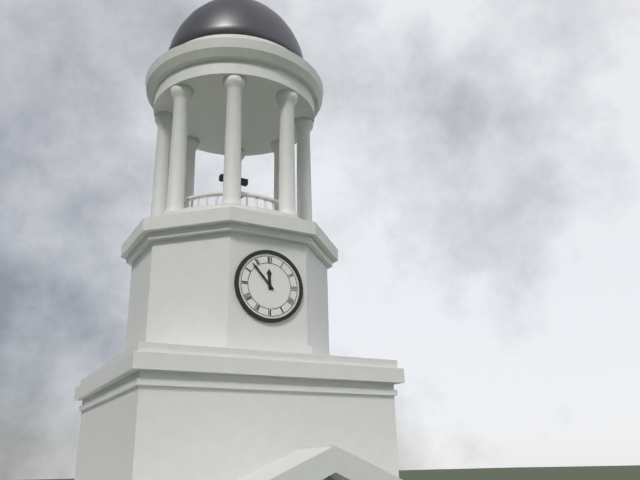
11:53
